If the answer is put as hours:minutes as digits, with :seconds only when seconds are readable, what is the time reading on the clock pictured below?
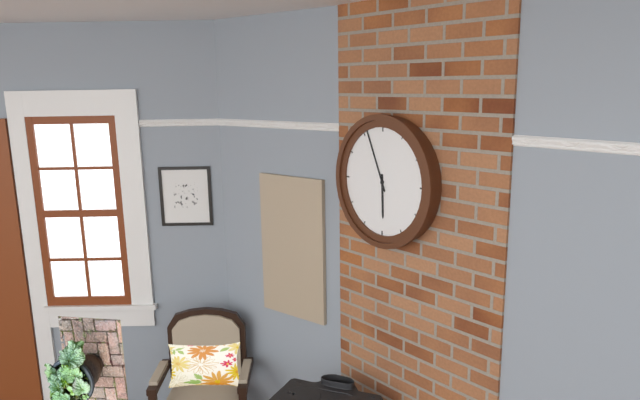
5:56
